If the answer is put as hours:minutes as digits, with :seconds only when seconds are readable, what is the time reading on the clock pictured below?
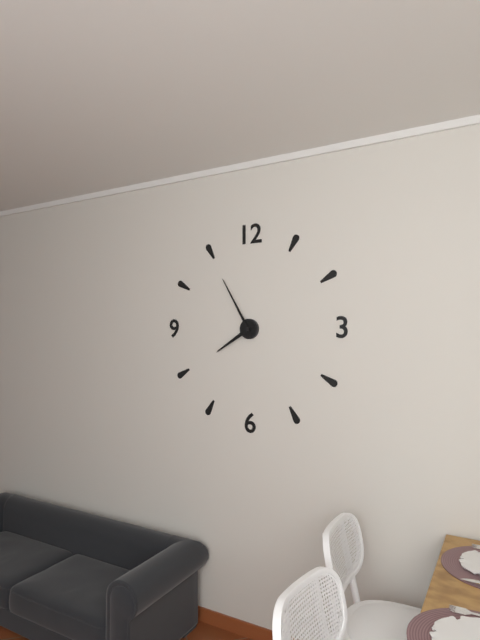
7:55
